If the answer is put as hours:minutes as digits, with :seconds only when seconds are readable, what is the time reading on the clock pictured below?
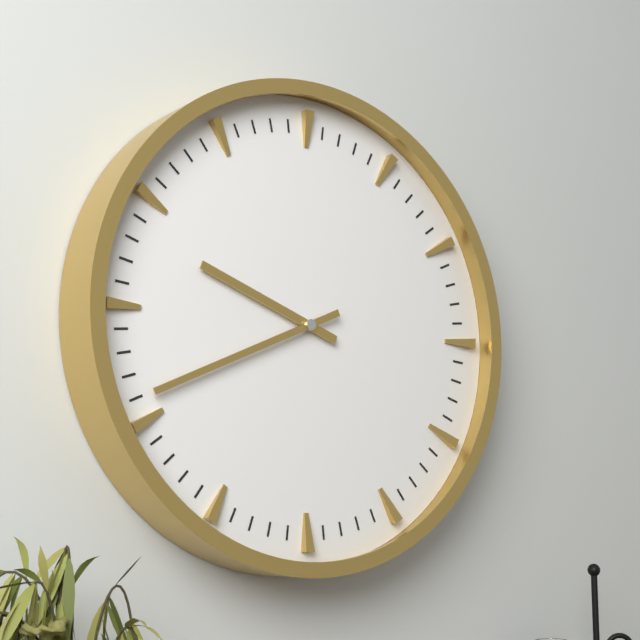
9:41
